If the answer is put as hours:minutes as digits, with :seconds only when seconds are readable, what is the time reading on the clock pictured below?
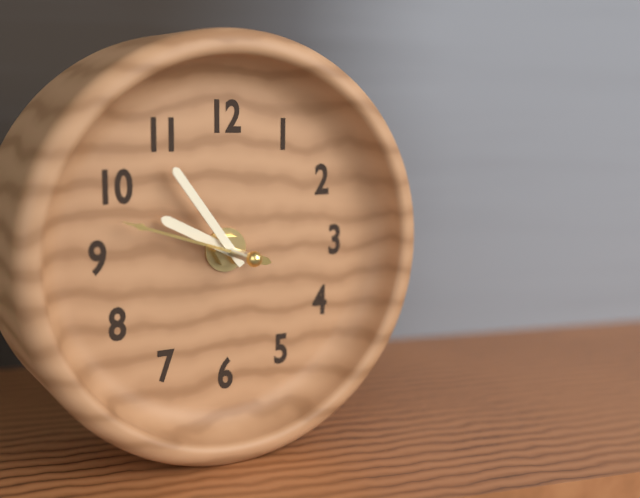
9:54:48
